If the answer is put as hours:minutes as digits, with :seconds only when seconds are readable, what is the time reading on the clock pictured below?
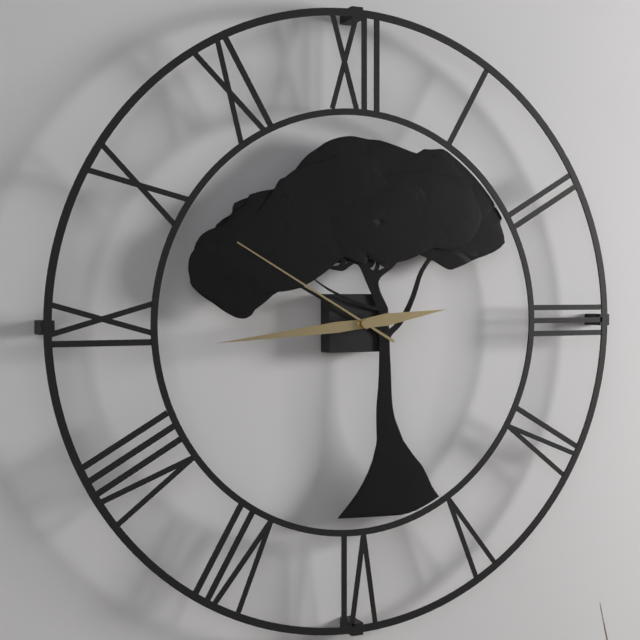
2:44:50
